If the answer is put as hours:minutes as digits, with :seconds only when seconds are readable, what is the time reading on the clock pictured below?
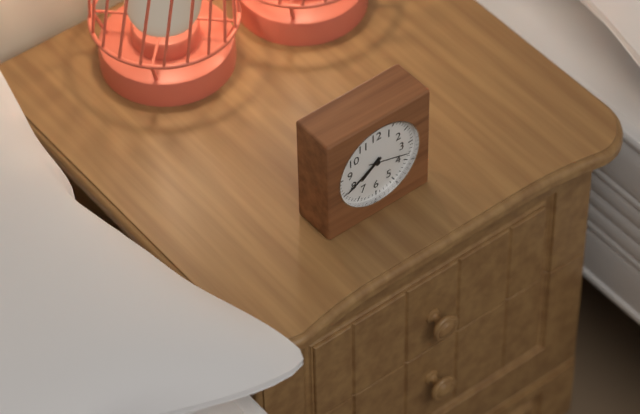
7:40
